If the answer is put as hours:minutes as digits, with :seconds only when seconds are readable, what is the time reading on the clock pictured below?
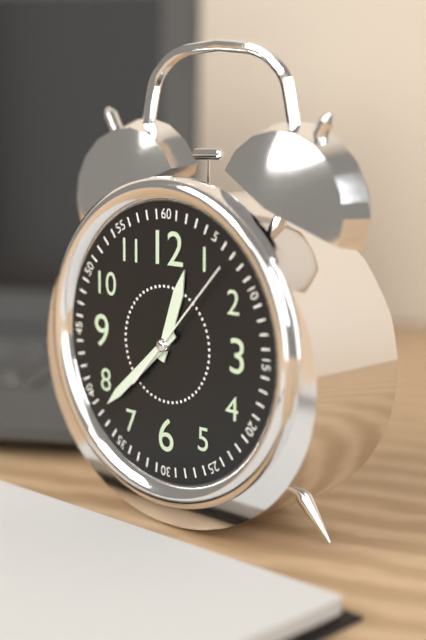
12:38:07
